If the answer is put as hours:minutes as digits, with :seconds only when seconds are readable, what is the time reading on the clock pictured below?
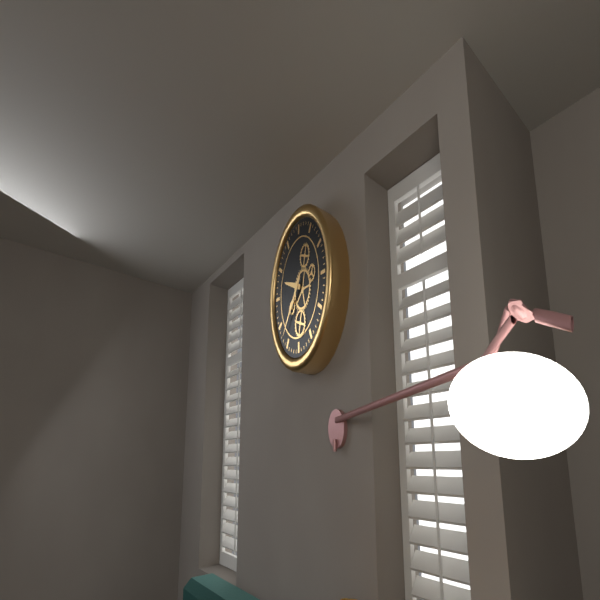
9:37
